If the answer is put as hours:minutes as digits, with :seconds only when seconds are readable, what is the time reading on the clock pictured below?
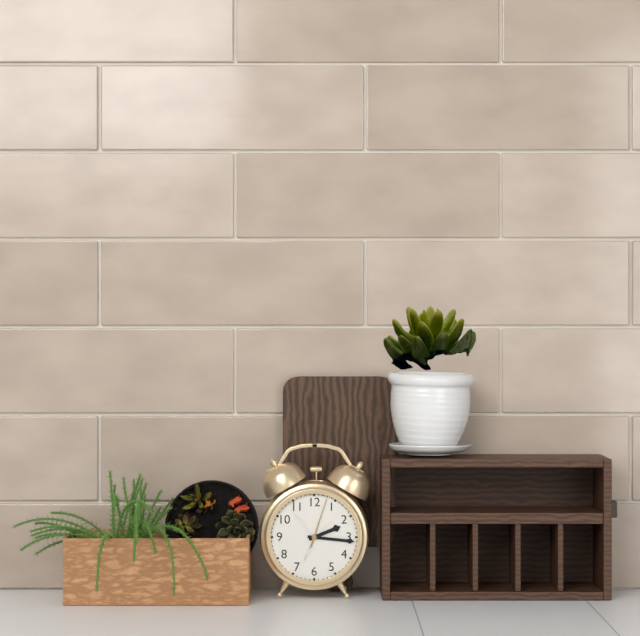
2:16:03
